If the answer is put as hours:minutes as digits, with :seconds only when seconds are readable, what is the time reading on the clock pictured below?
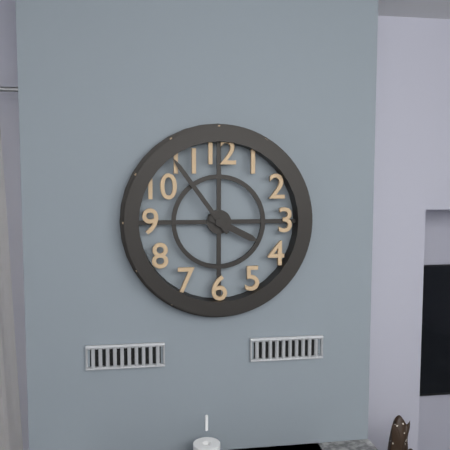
3:54
